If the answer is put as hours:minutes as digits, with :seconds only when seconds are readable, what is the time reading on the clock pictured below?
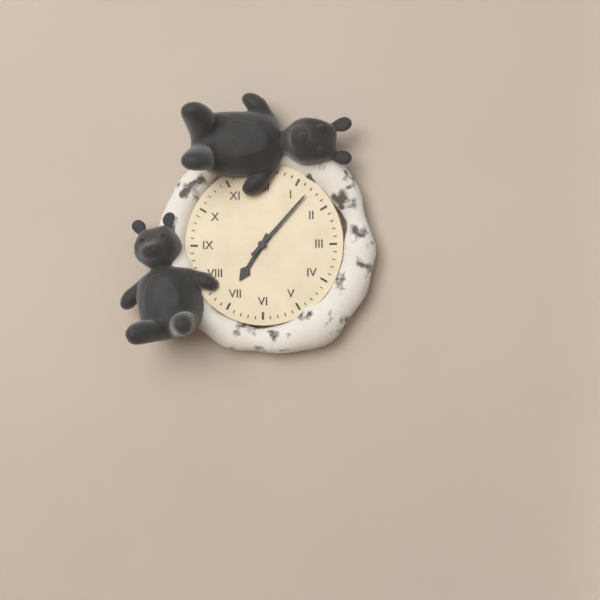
7:07
